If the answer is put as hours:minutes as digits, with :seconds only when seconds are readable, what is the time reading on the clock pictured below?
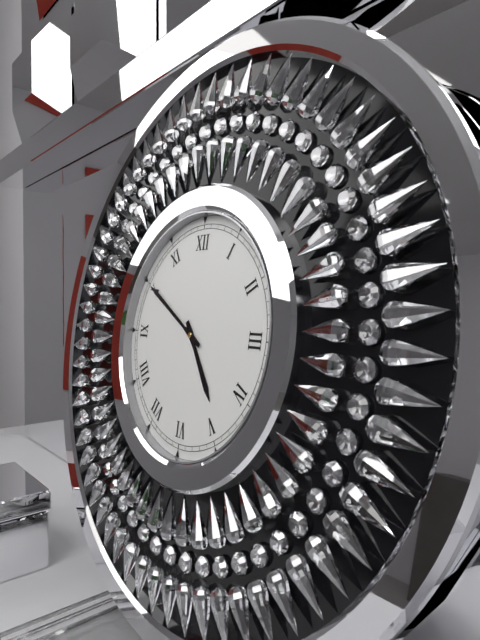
4:50
